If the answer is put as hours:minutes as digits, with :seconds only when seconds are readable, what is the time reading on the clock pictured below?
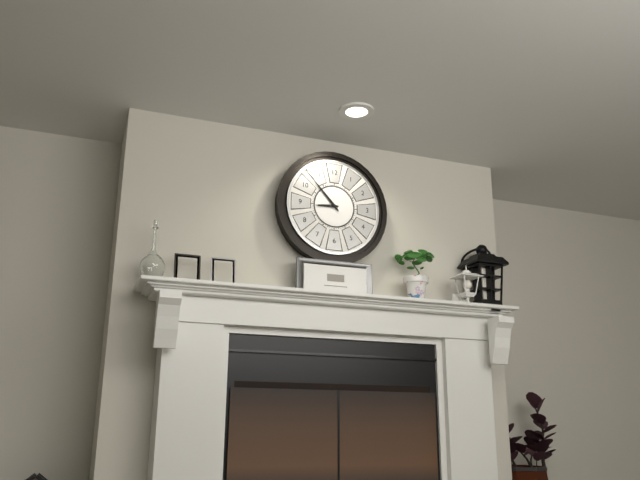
8:53
